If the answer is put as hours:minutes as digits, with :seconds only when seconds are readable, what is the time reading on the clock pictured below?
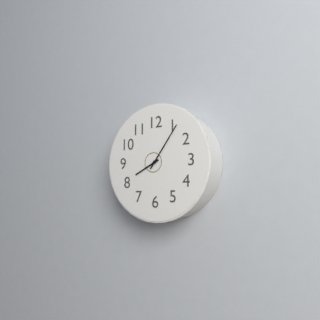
8:06
